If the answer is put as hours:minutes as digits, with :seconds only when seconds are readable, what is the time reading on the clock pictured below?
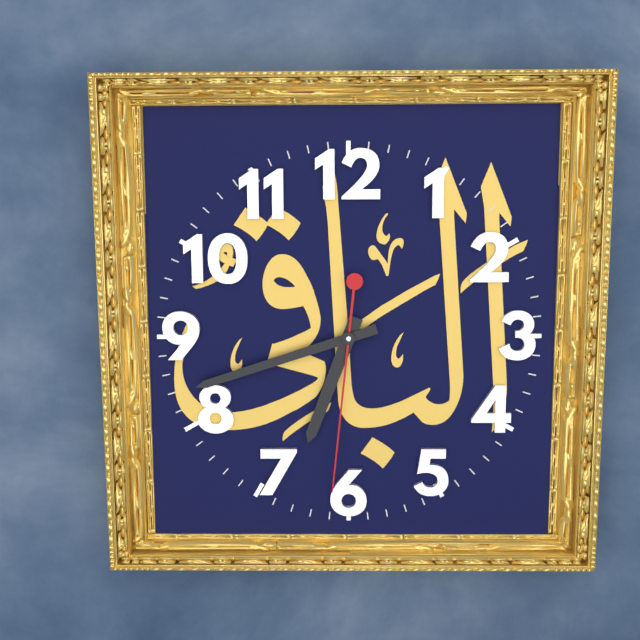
6:42:31
